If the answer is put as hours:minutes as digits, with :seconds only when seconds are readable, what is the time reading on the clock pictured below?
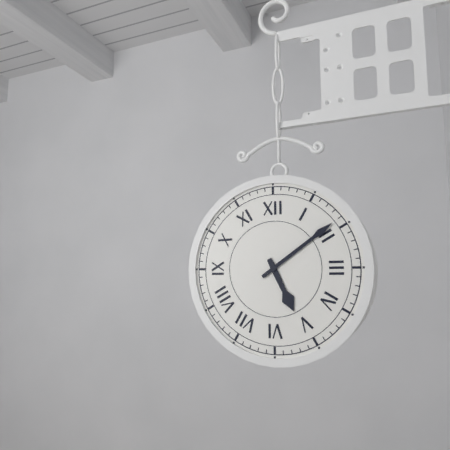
5:09
